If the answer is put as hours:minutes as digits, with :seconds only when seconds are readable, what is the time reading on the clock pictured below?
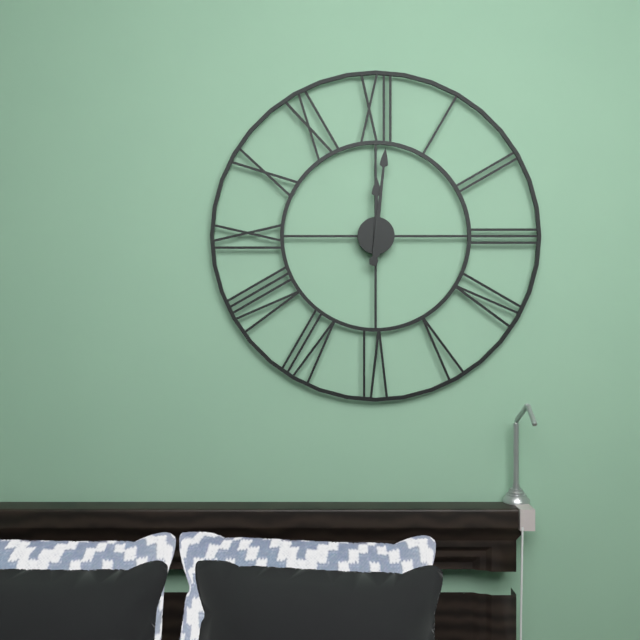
12:01
